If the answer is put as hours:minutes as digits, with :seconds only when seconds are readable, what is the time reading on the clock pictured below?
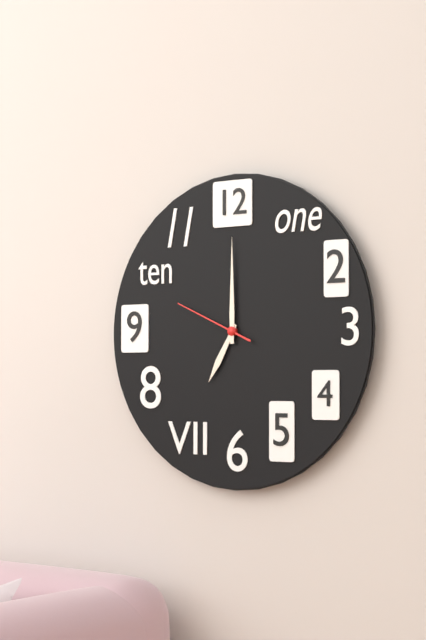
7:00:49
